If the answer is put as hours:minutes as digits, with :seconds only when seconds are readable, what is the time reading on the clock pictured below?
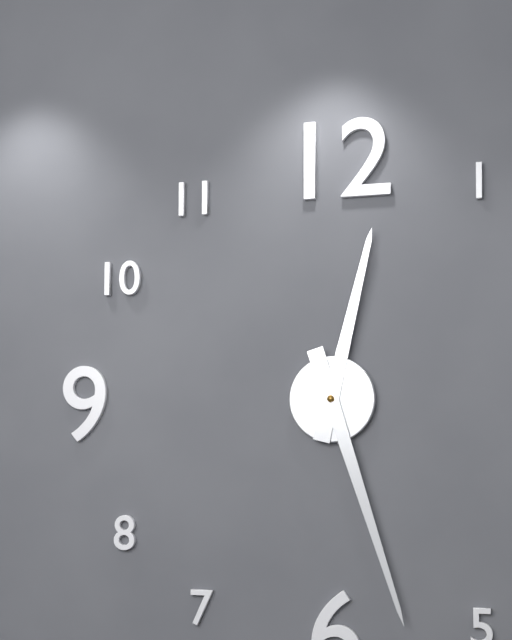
12:27
